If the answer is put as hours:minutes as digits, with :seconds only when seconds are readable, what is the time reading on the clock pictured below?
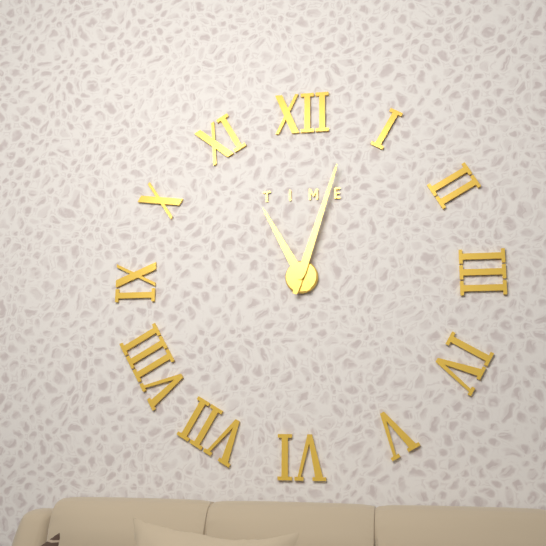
11:03
